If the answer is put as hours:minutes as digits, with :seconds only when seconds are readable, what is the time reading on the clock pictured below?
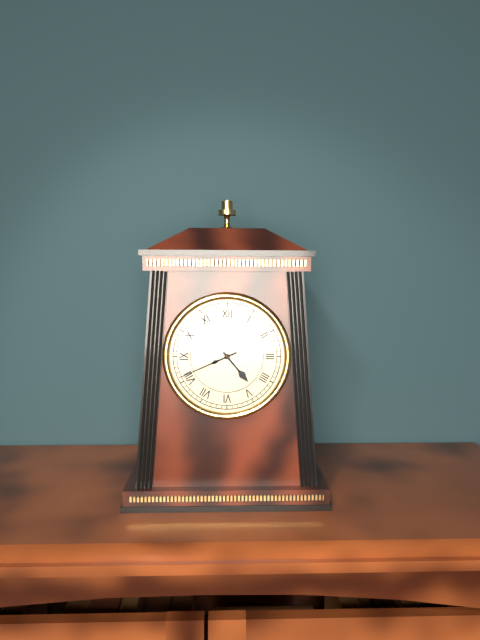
4:41
